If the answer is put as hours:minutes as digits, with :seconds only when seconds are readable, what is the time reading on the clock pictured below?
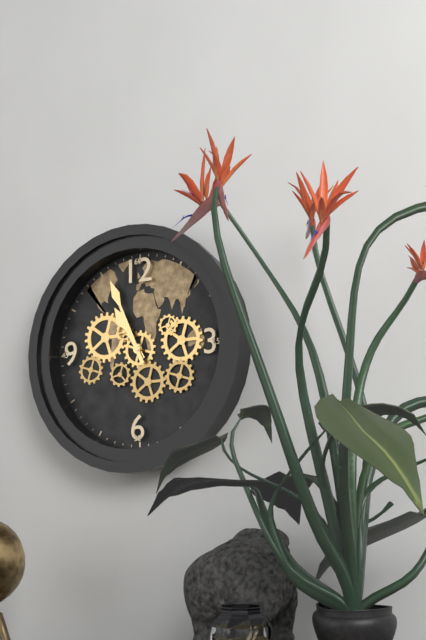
10:56
